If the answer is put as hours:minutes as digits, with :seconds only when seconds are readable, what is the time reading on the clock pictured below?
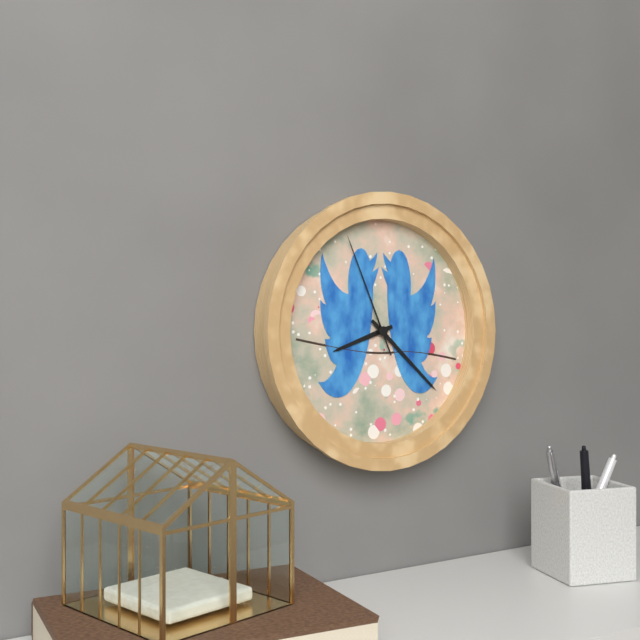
8:22:56
